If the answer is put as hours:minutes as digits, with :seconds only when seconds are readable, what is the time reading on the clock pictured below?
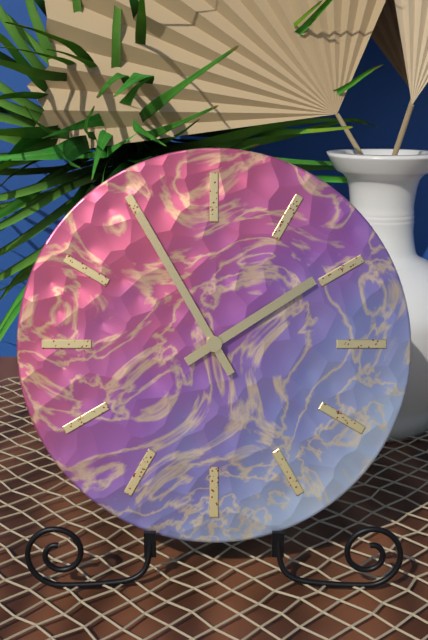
1:55
